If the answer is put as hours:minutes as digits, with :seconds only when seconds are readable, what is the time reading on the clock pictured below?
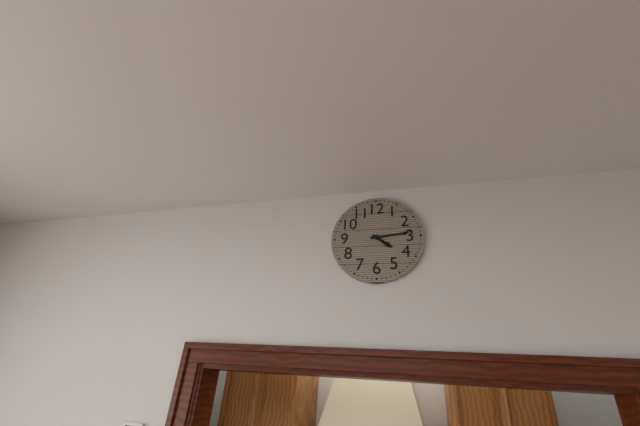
4:14
